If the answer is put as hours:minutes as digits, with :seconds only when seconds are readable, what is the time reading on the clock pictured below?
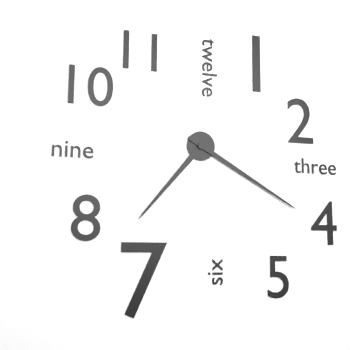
7:20
